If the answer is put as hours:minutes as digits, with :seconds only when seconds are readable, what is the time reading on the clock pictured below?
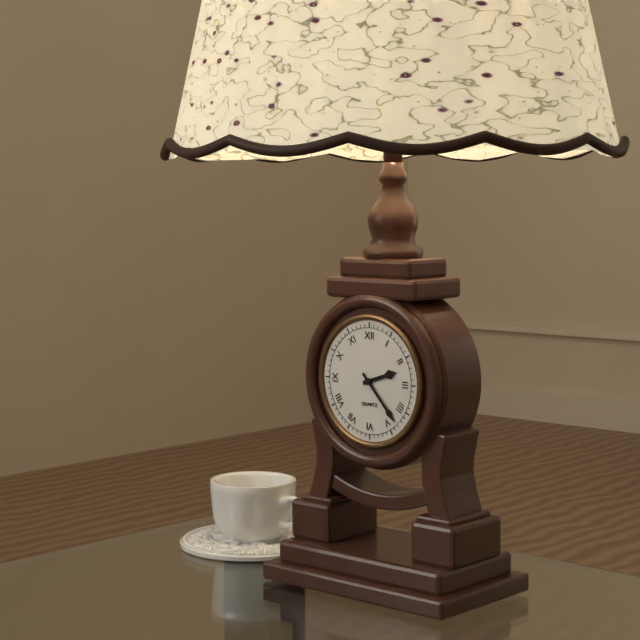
2:23
